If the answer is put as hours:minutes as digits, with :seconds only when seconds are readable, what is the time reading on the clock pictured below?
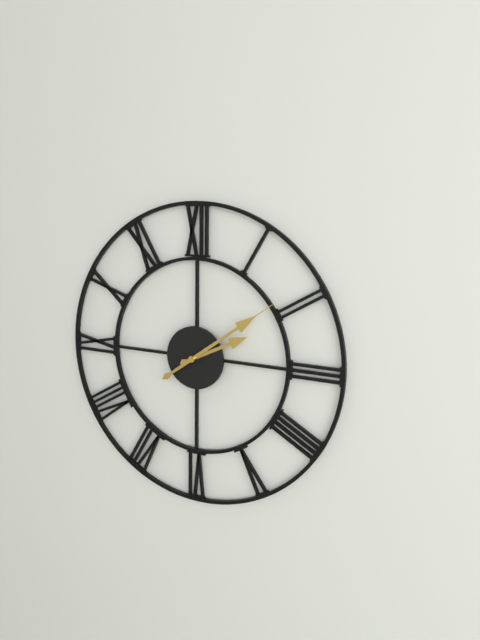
2:09
